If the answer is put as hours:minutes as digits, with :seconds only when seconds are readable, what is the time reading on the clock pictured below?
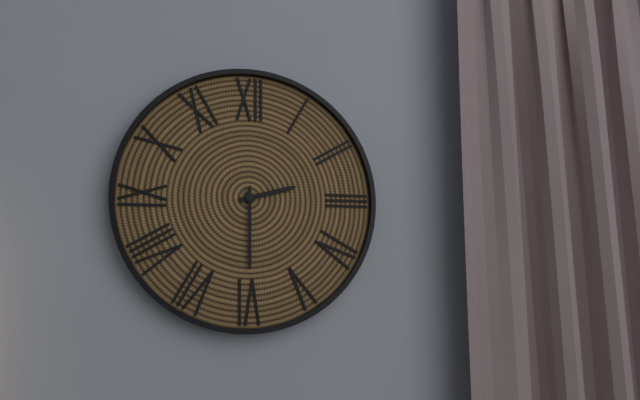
2:30
